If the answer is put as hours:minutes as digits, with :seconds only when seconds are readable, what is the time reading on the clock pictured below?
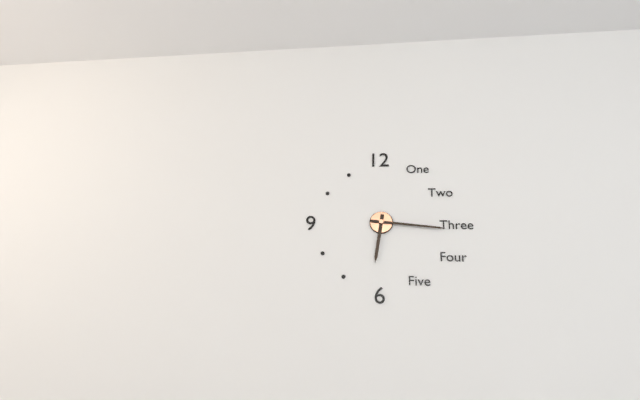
6:16
